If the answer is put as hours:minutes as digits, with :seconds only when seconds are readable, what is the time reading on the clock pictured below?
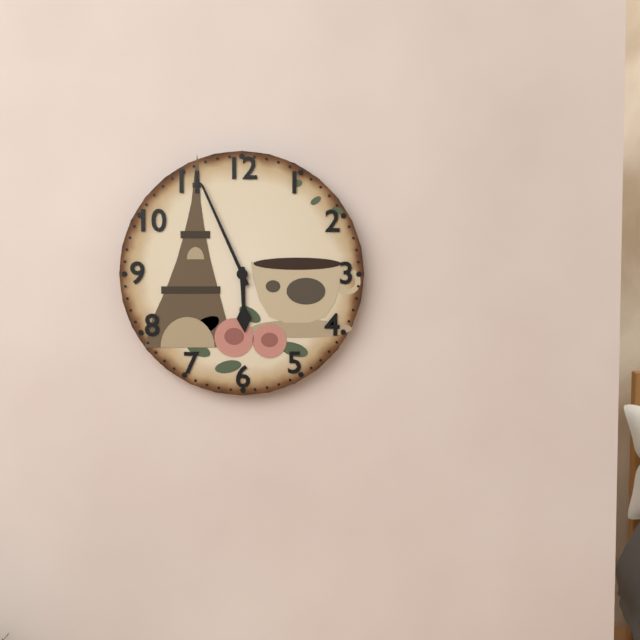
5:56
